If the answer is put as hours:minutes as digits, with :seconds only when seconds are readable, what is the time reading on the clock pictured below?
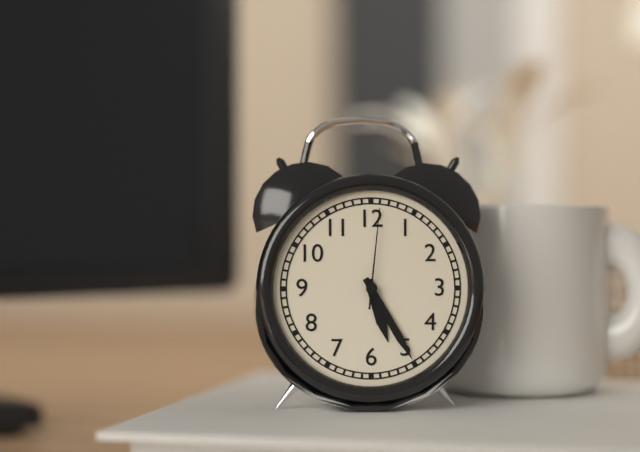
5:25:01
